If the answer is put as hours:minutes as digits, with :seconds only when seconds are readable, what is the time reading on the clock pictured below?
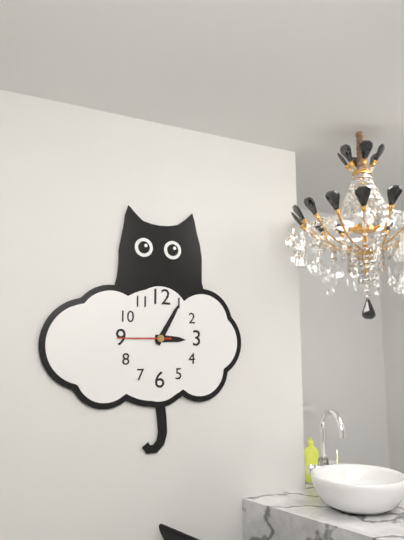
3:05:45
